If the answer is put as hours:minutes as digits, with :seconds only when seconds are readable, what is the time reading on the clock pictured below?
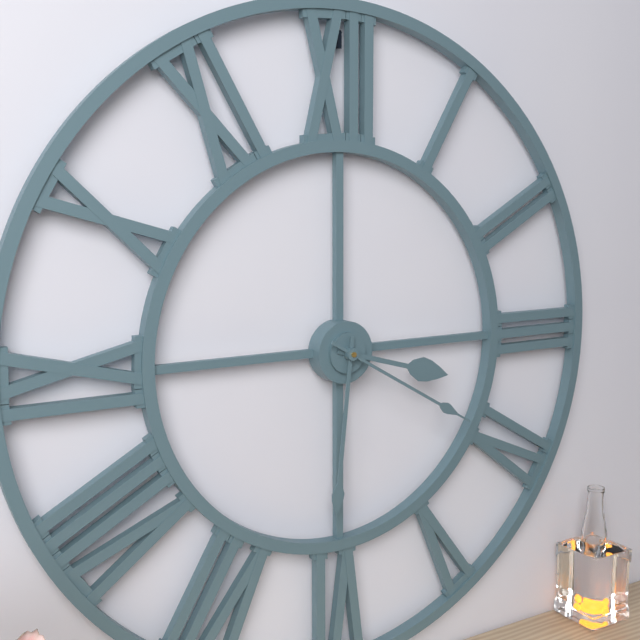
3:31:20
